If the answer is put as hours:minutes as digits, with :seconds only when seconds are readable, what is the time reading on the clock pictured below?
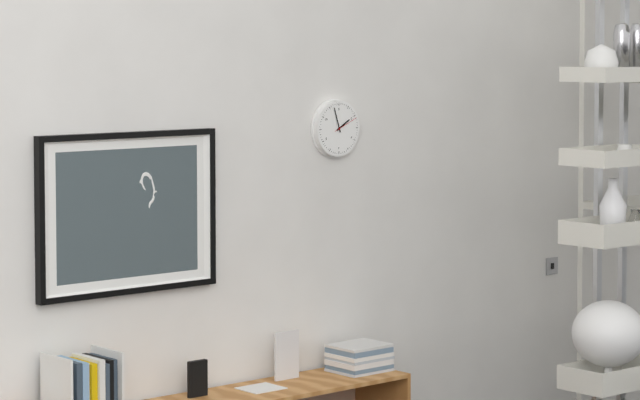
1:57
